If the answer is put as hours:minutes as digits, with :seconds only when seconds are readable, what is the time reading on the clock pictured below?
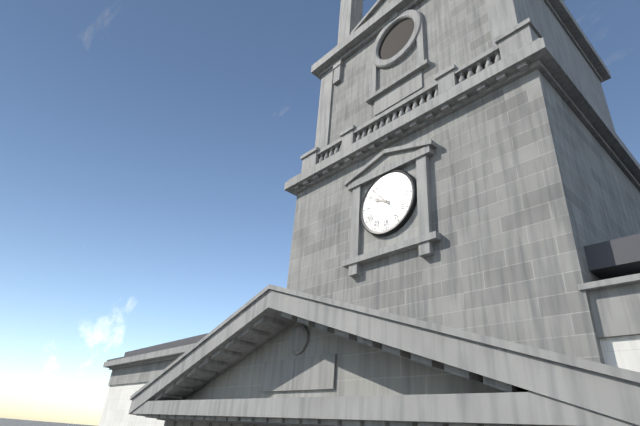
9:53
